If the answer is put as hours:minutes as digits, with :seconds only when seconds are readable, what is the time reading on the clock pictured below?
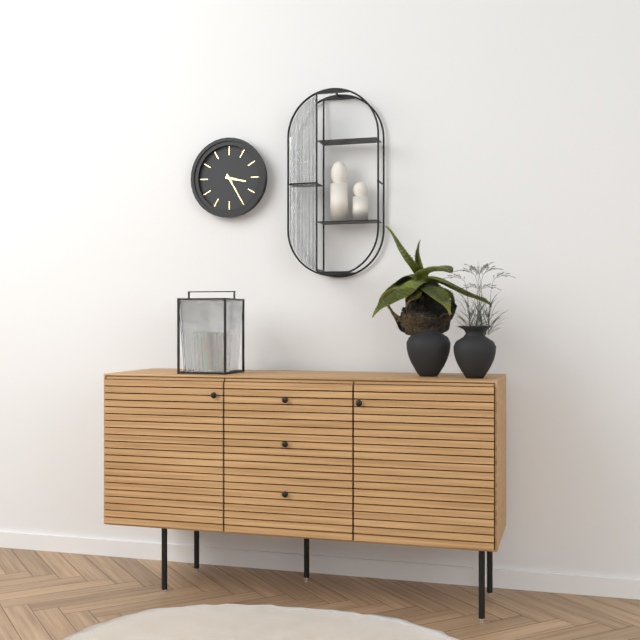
3:25
